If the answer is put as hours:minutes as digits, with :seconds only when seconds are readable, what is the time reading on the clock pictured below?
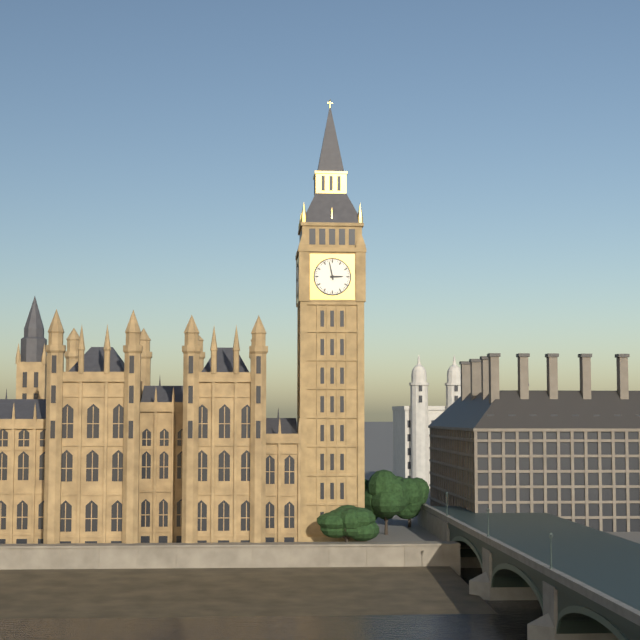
2:58
